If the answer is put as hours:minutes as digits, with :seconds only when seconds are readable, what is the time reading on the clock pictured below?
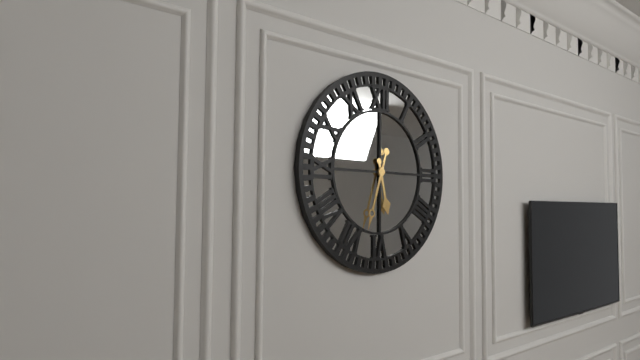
5:33
